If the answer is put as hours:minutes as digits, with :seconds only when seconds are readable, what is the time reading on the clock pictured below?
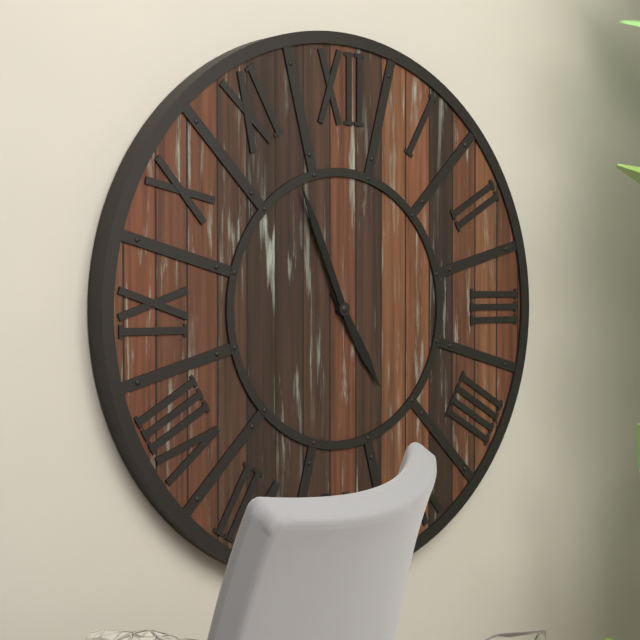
4:56
